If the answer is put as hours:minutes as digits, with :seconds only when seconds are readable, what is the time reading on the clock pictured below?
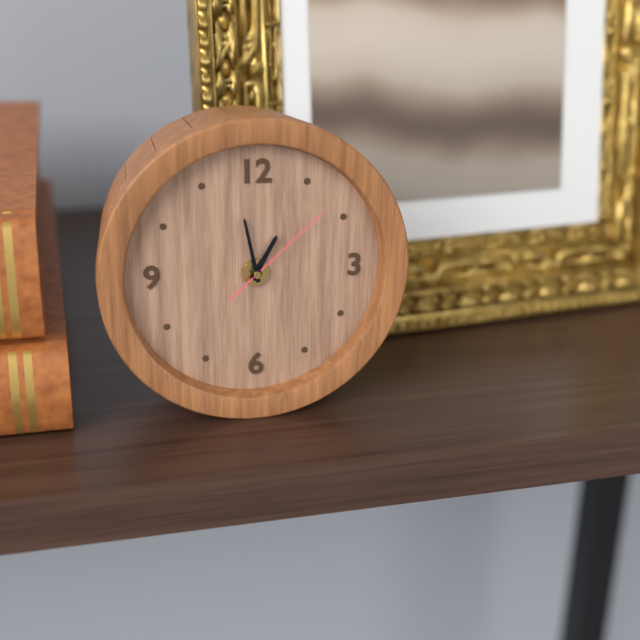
12:58:08
